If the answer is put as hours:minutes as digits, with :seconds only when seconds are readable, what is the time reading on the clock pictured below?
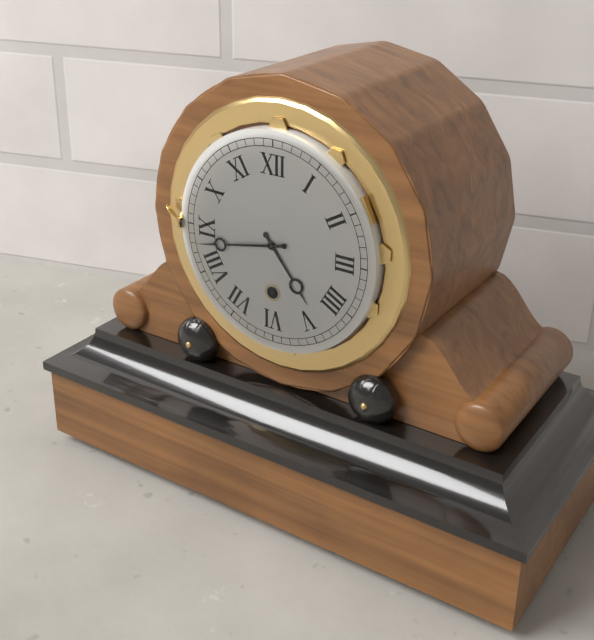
4:43
